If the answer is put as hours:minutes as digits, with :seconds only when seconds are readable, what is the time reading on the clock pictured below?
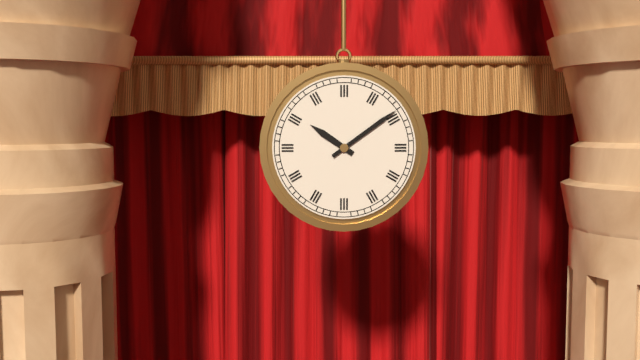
10:09
